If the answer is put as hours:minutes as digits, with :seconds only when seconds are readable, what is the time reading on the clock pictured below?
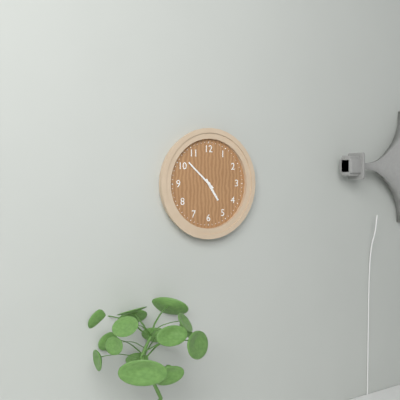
4:52
